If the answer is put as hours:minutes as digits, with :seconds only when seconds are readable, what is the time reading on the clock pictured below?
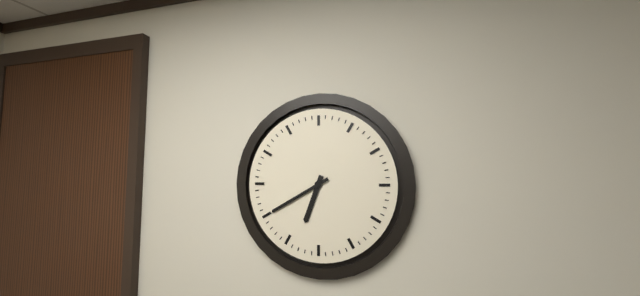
6:40
